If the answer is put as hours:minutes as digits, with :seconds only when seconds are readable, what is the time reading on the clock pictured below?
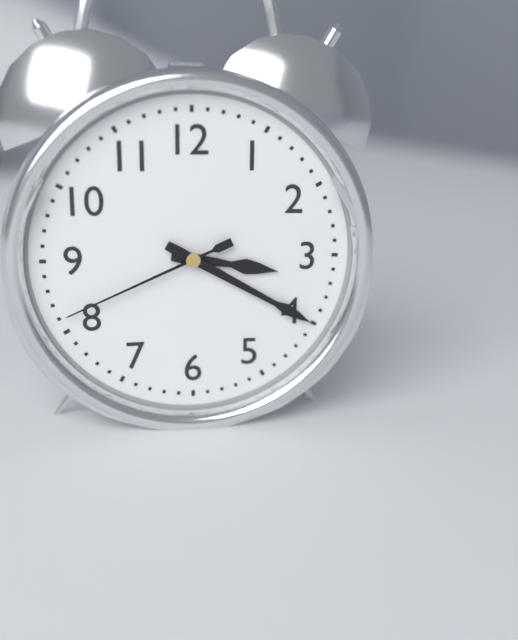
3:20:41
